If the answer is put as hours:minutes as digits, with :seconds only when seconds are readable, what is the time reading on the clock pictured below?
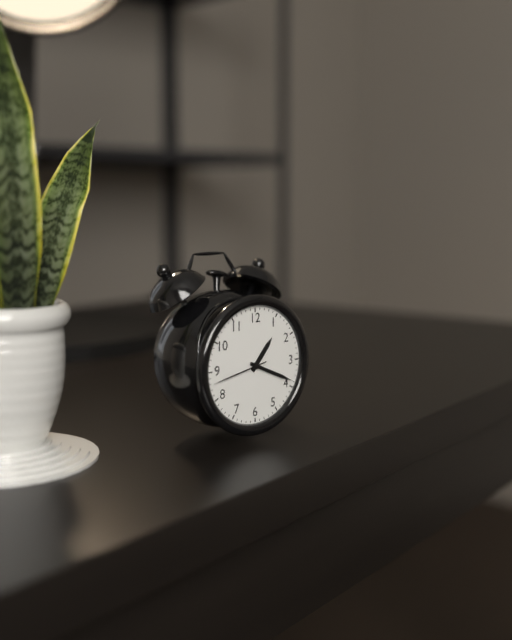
1:19:43
